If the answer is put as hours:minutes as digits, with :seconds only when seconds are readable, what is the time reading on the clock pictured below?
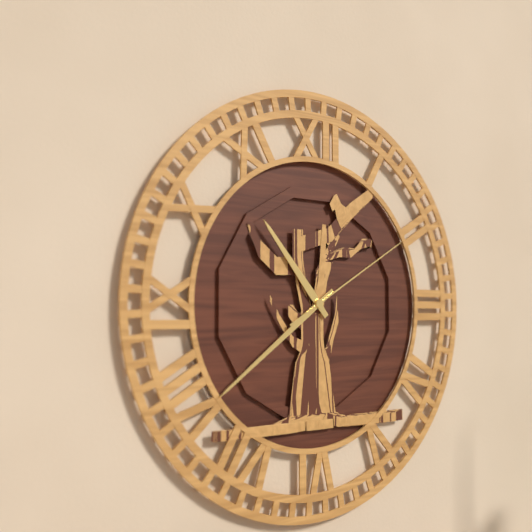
10:39:10
